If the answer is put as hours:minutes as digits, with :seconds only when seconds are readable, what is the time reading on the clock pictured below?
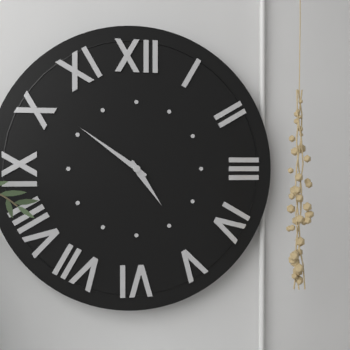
4:51
